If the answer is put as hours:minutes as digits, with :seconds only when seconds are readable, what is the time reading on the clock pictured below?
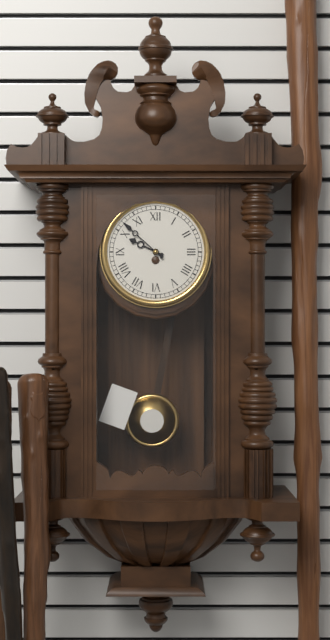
9:52
